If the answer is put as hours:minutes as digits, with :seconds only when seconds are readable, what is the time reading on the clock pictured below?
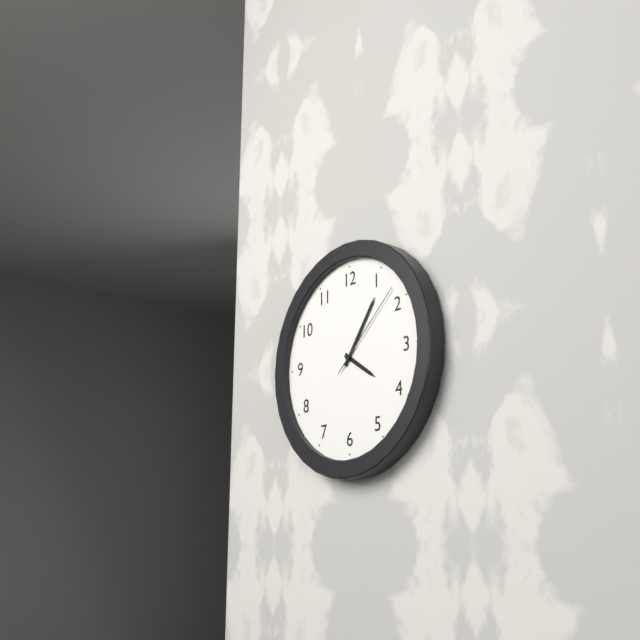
4:06:08
